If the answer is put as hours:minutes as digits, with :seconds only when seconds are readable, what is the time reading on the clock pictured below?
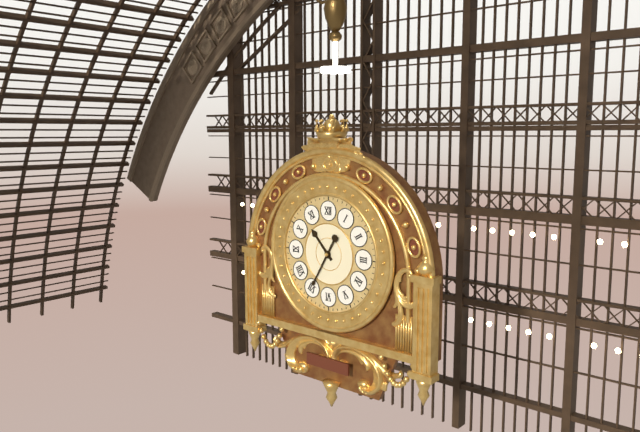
10:35
